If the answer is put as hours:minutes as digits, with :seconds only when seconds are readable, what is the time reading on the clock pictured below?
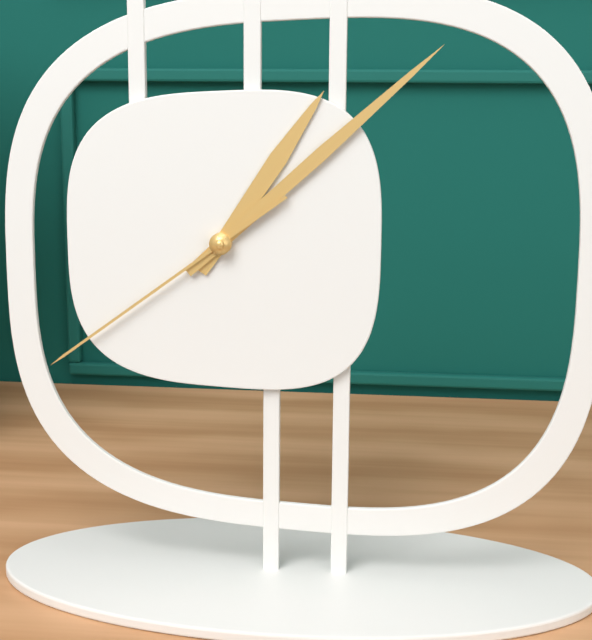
1:08:39
